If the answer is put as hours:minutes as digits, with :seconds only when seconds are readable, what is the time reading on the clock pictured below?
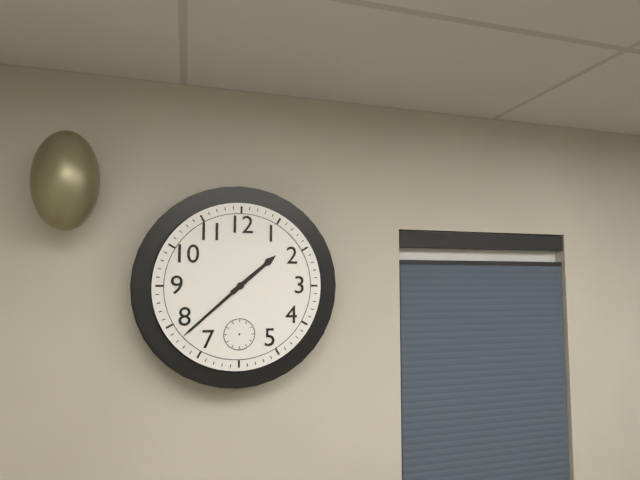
1:38
